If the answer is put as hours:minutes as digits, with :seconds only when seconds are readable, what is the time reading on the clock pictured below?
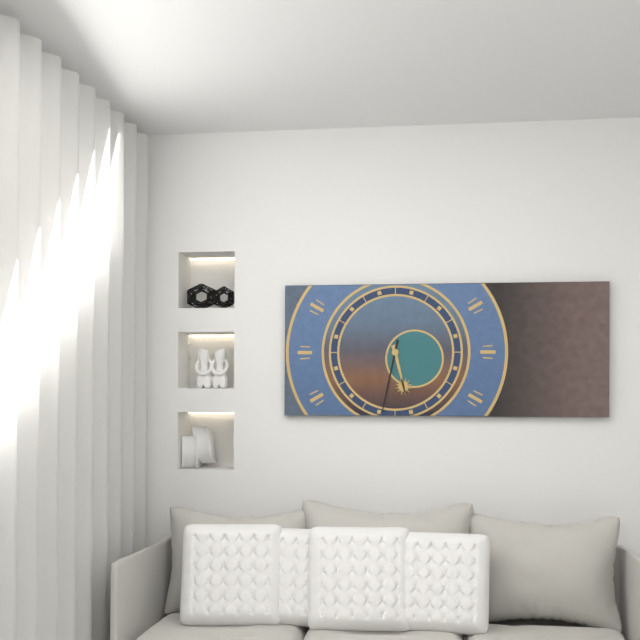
5:32
